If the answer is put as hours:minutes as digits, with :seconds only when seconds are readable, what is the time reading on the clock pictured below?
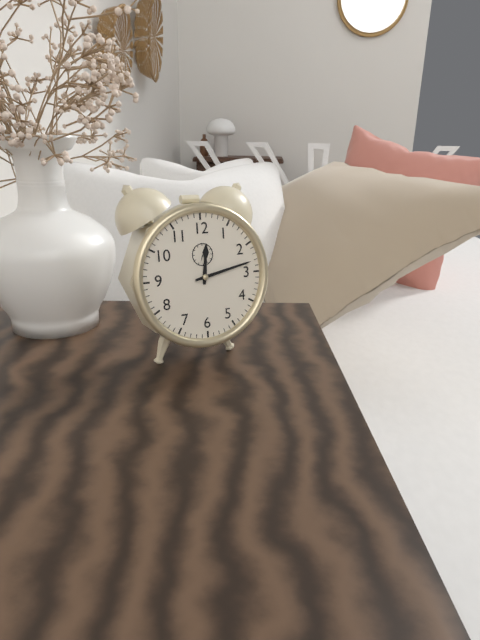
12:13
